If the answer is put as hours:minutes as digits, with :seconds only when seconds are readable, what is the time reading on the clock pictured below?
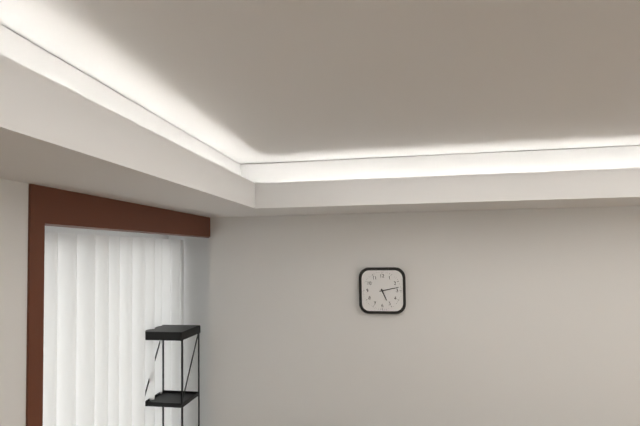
5:13
